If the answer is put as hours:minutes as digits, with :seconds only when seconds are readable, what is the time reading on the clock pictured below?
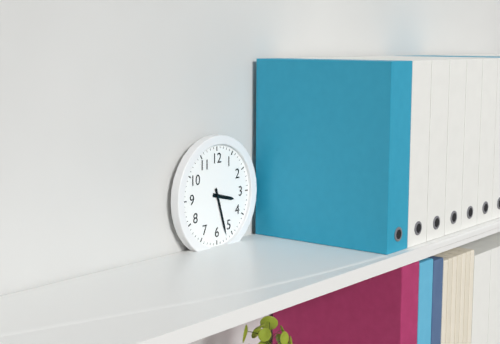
3:27
